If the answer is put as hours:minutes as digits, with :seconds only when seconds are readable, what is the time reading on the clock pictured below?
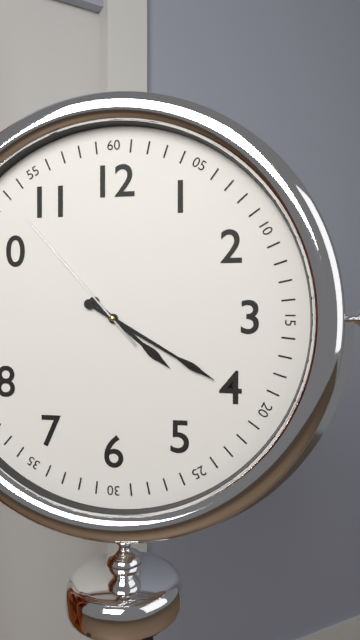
4:20:53
